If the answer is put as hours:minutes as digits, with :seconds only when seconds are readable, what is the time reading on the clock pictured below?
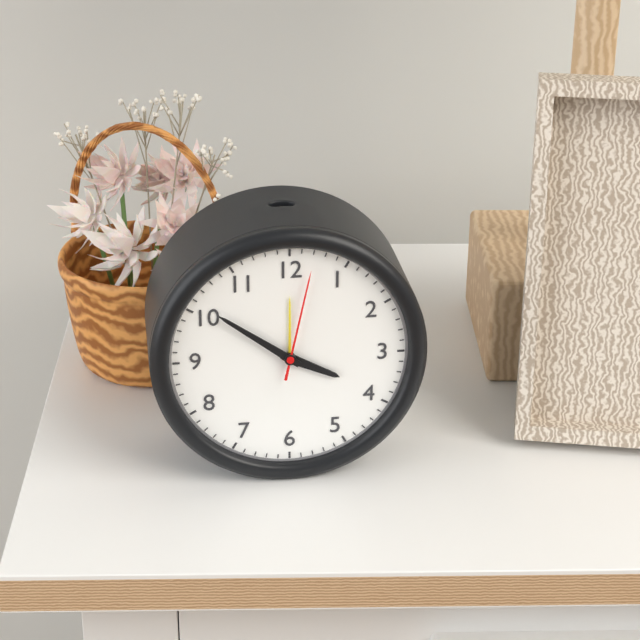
3:51:02
